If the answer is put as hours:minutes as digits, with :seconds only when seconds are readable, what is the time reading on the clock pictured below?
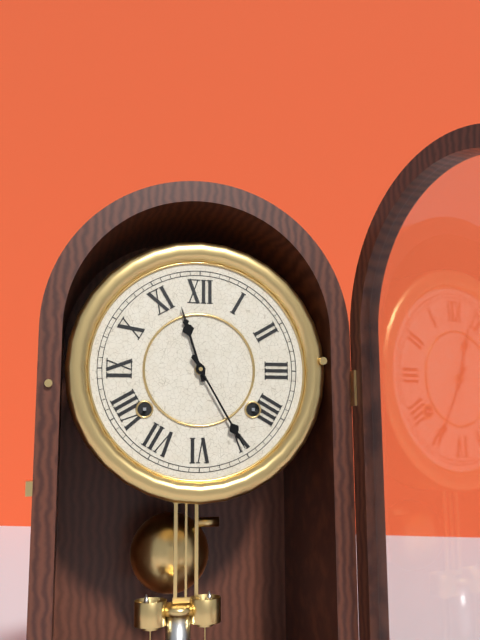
11:25
